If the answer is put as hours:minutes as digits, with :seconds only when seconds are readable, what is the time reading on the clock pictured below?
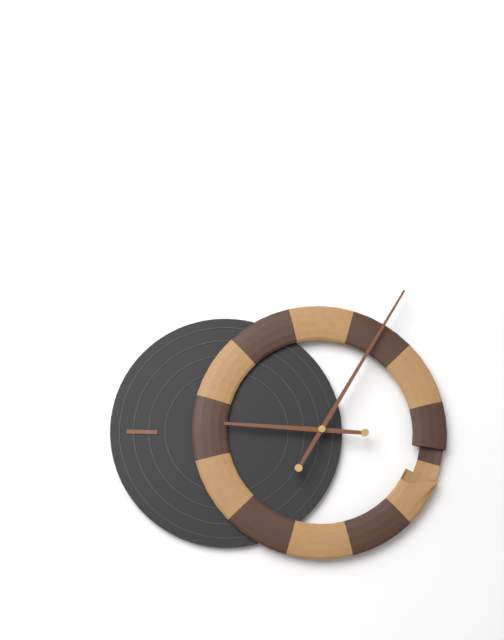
9:05
